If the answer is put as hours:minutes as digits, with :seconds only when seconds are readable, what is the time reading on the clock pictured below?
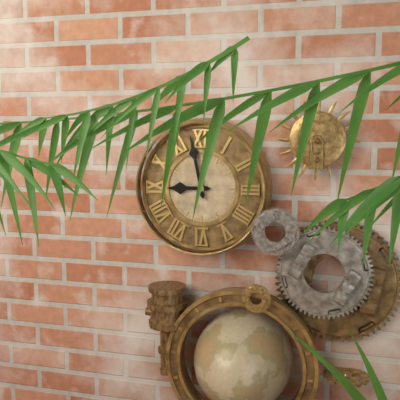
8:58
